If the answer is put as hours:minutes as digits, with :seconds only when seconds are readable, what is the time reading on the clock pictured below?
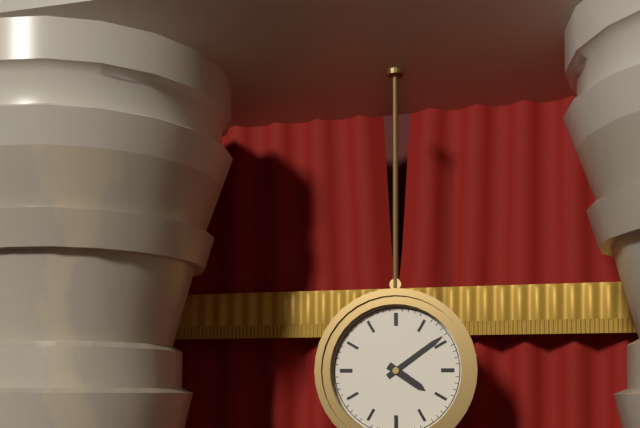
4:09
